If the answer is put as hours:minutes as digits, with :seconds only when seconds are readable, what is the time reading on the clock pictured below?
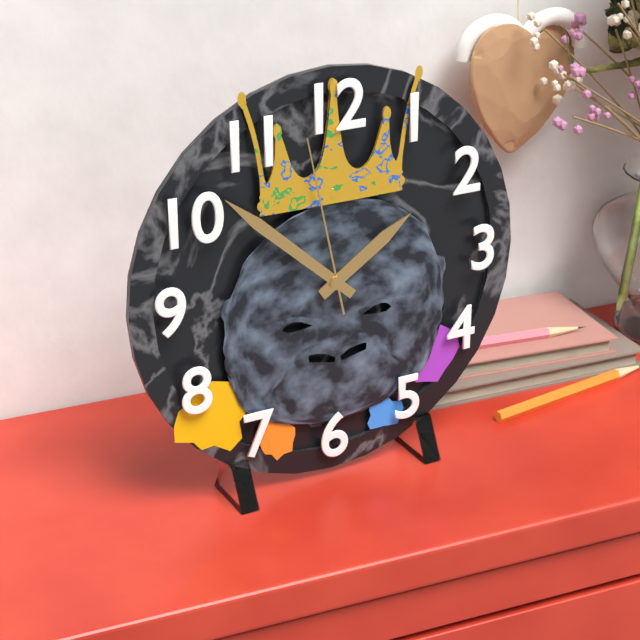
1:52:58
